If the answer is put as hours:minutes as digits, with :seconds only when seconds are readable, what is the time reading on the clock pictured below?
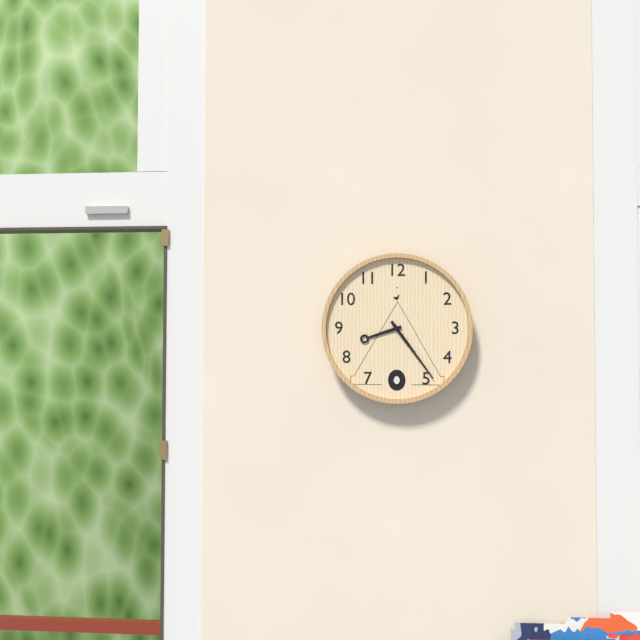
8:24
